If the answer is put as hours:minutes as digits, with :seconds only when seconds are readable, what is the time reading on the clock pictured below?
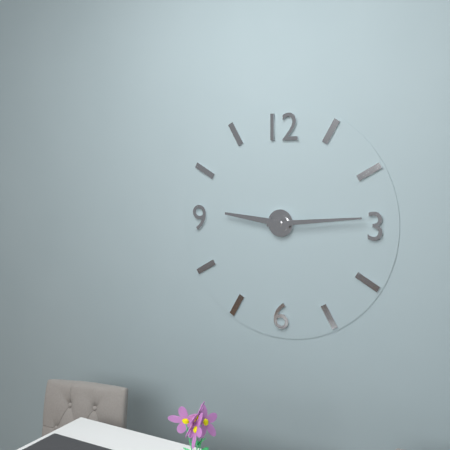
9:14
